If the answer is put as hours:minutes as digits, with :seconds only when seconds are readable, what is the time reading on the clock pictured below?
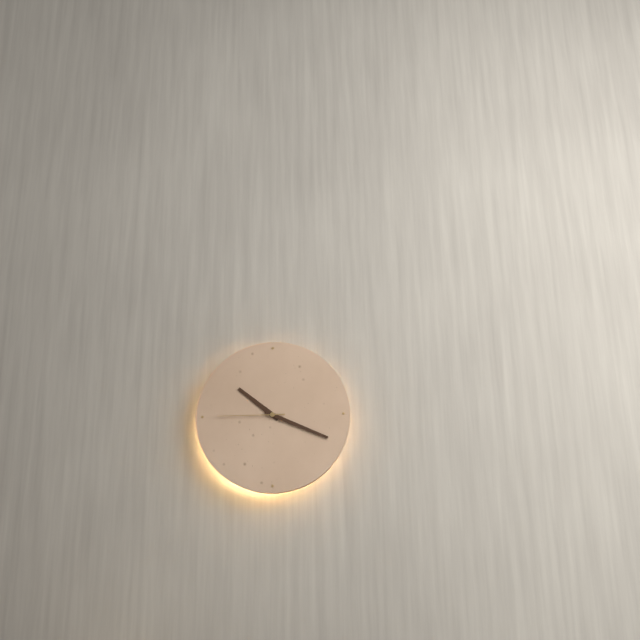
10:19:45
